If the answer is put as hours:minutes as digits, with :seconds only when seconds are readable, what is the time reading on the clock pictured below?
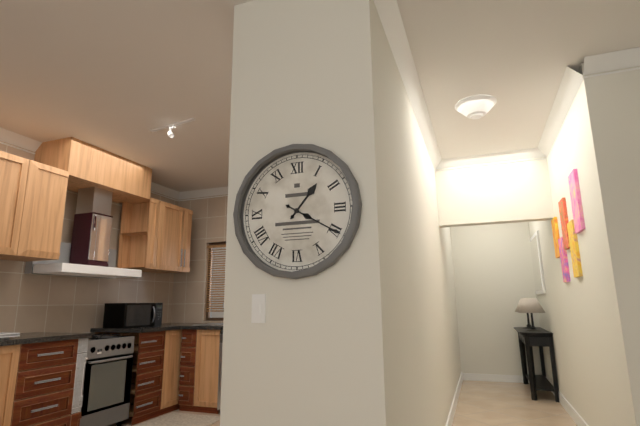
1:20
